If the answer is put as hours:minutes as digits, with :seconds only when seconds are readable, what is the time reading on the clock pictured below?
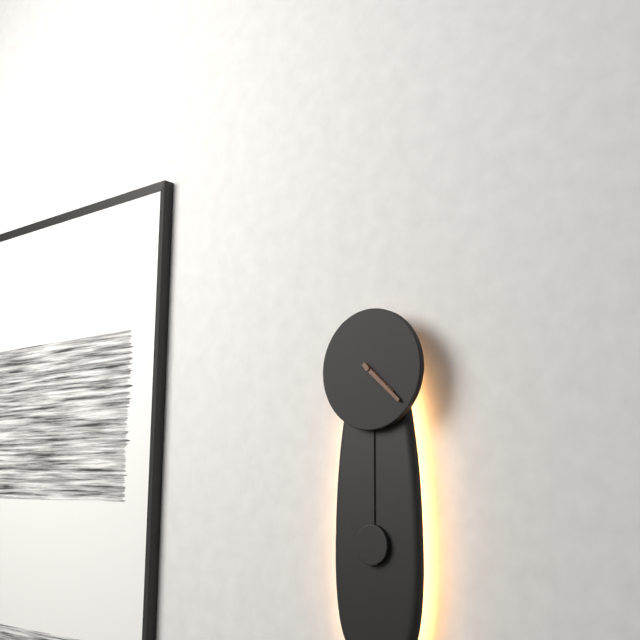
4:22
